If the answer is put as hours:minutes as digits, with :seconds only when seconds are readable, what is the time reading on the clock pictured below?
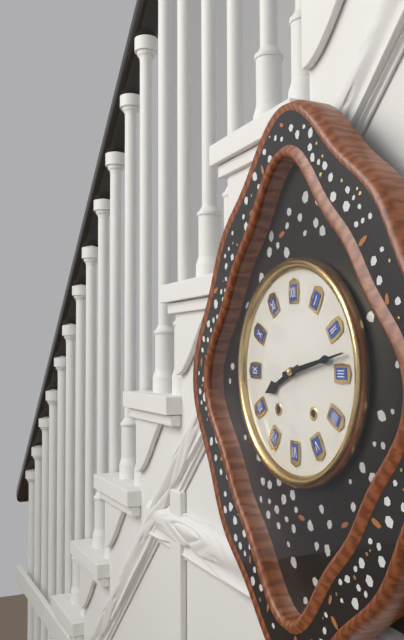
8:13
